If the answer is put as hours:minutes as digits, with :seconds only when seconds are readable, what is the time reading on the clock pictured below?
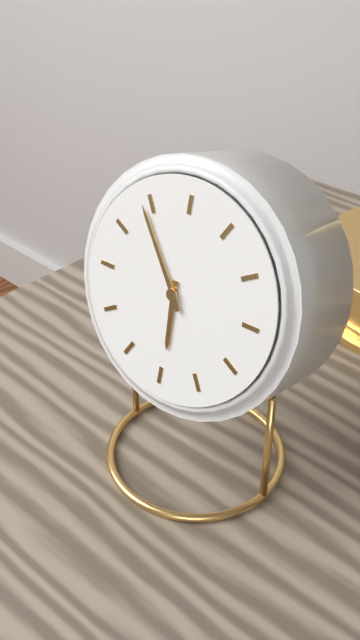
5:54
